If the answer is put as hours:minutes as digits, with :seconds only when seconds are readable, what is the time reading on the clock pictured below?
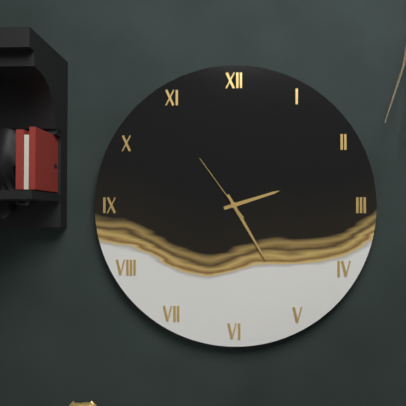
2:25:54
